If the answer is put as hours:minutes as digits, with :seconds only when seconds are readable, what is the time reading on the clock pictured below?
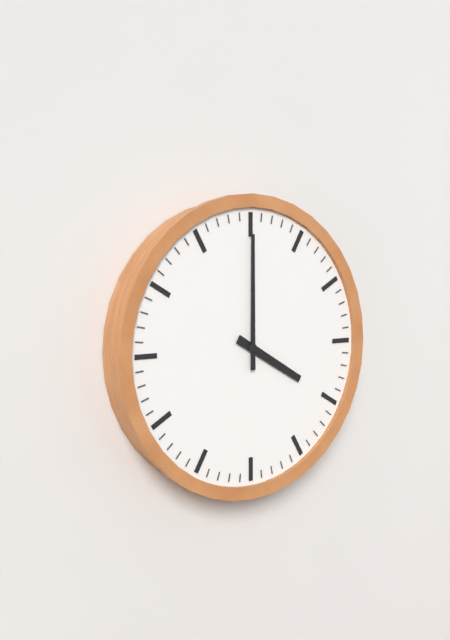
4:00
